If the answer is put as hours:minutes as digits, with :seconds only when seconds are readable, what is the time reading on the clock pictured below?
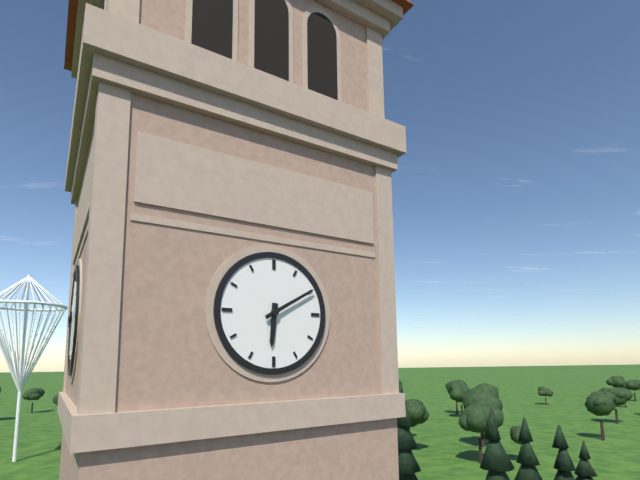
6:10
